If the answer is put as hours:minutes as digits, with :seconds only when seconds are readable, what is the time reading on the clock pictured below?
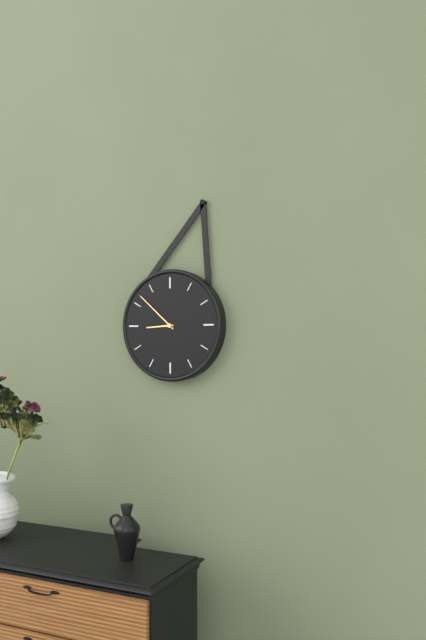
8:52
